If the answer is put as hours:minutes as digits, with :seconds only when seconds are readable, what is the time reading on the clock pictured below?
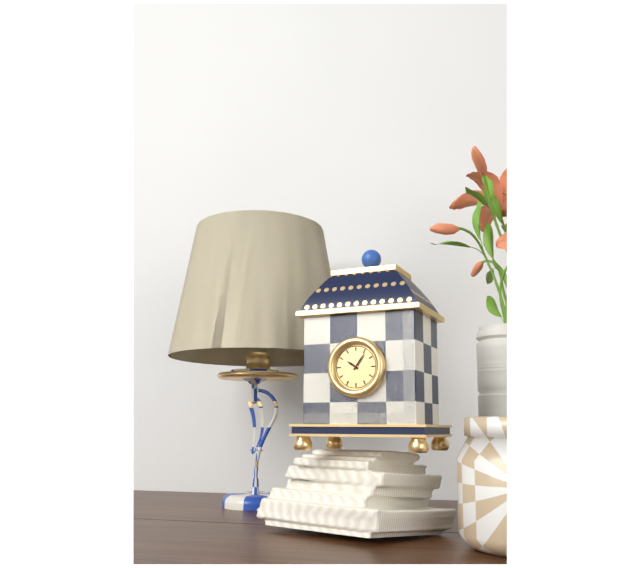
10:06
